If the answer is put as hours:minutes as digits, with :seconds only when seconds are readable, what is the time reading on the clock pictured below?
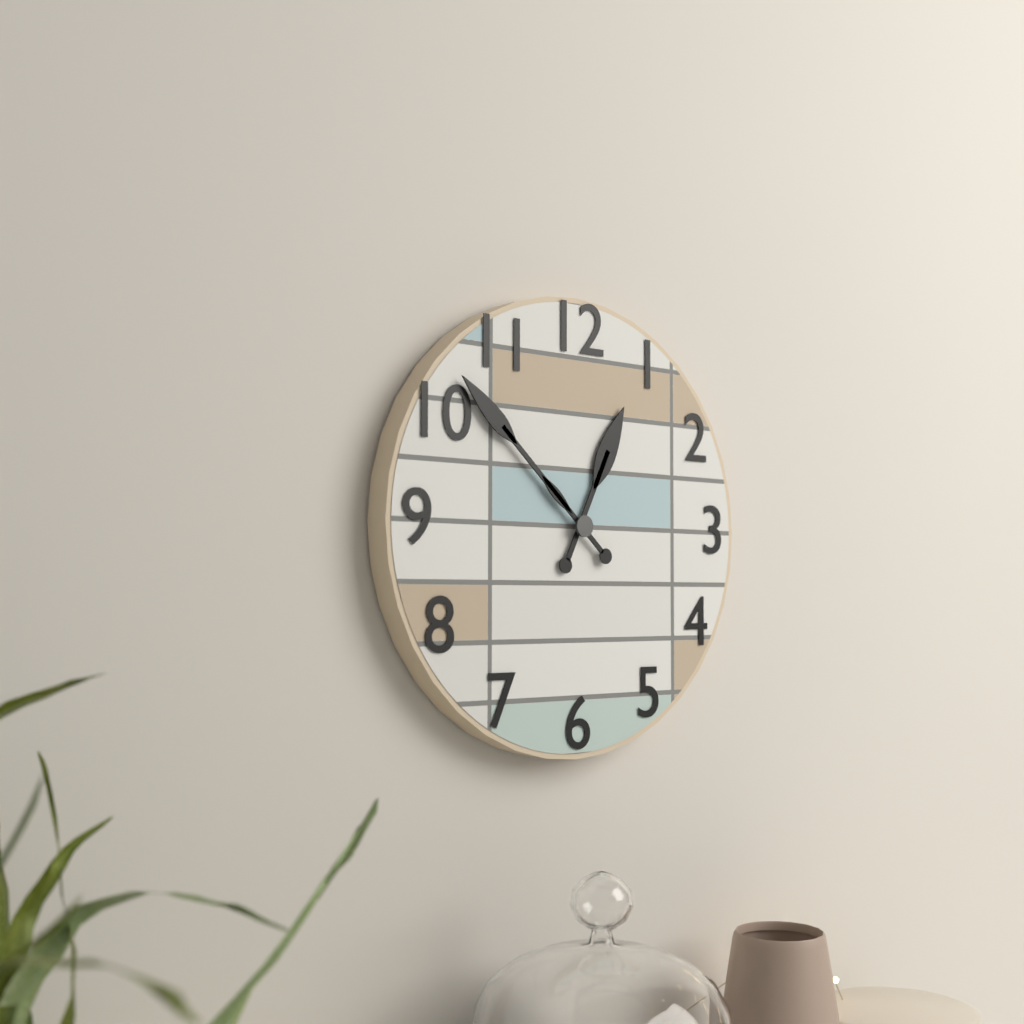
12:52
